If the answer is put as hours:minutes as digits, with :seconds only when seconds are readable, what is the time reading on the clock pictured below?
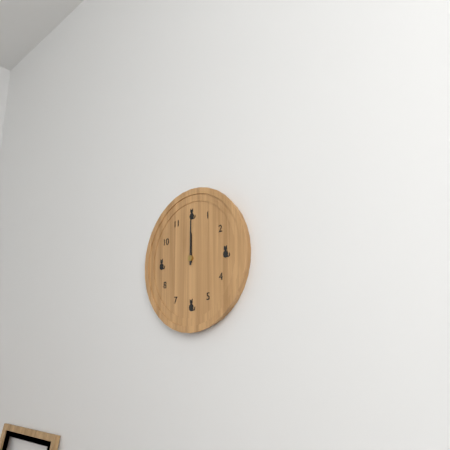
12:00
